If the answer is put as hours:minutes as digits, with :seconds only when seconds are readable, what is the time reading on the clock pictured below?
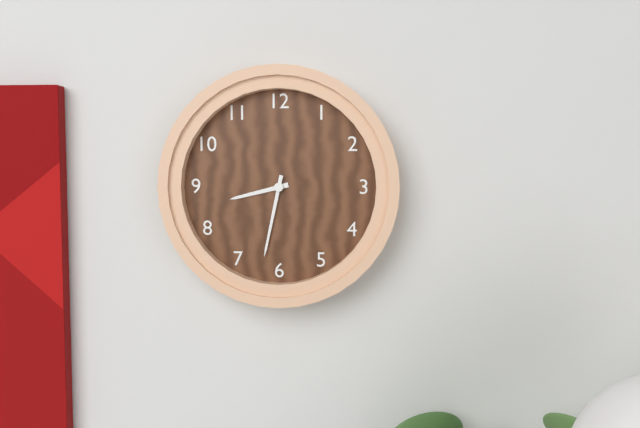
8:32
